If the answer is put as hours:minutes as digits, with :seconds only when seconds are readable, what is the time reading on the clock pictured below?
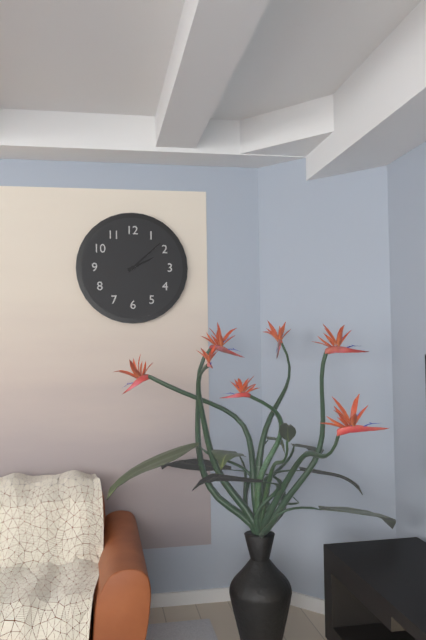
2:08
